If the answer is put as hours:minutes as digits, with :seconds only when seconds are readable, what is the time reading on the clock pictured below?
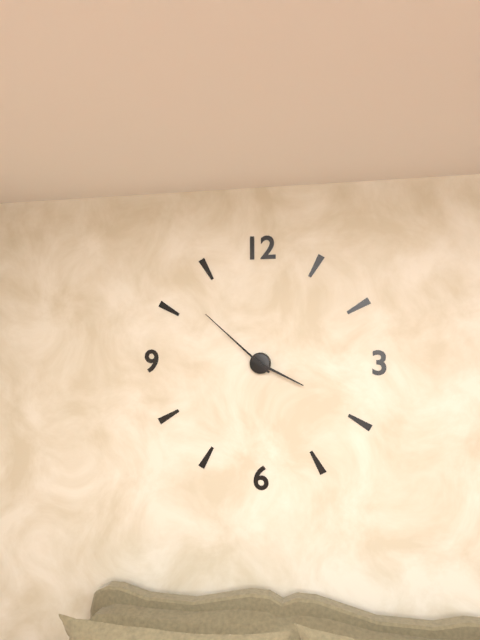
3:52
